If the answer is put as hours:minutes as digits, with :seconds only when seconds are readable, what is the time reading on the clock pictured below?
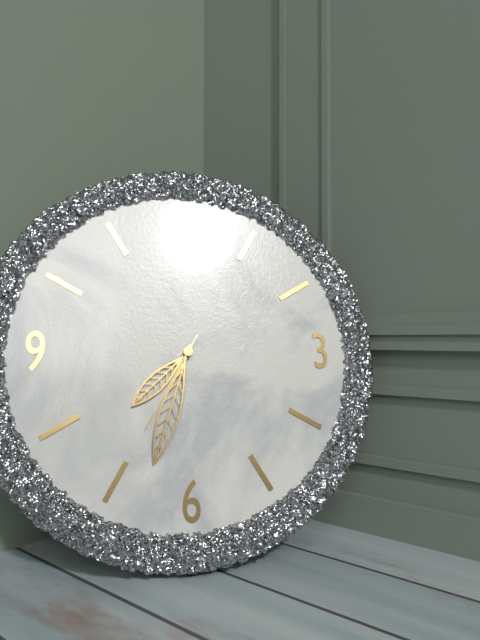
7:33:35
